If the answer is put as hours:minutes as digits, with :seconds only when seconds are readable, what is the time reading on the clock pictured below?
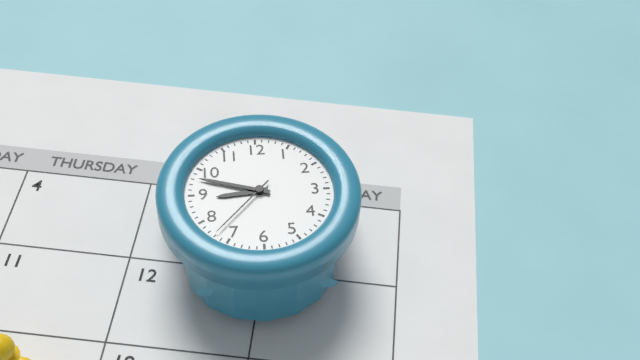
8:48:37
